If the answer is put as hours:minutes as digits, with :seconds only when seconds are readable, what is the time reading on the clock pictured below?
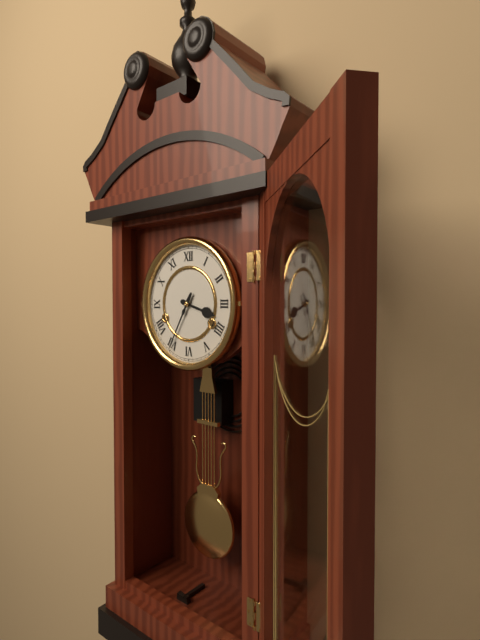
3:35
